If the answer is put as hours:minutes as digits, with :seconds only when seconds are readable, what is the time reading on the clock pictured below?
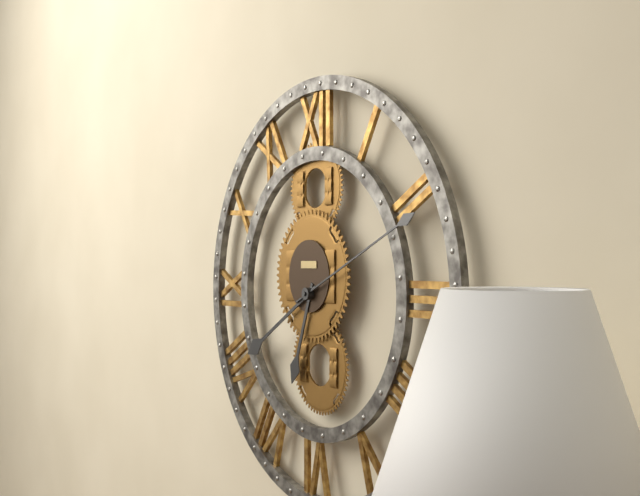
6:40:11
